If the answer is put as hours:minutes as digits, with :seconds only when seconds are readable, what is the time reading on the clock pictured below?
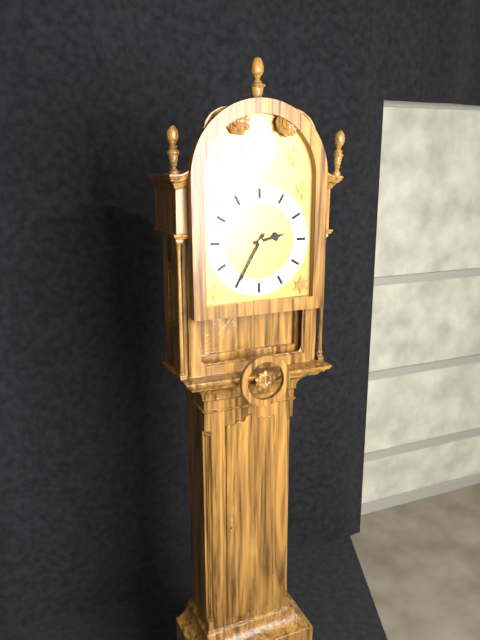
2:35
